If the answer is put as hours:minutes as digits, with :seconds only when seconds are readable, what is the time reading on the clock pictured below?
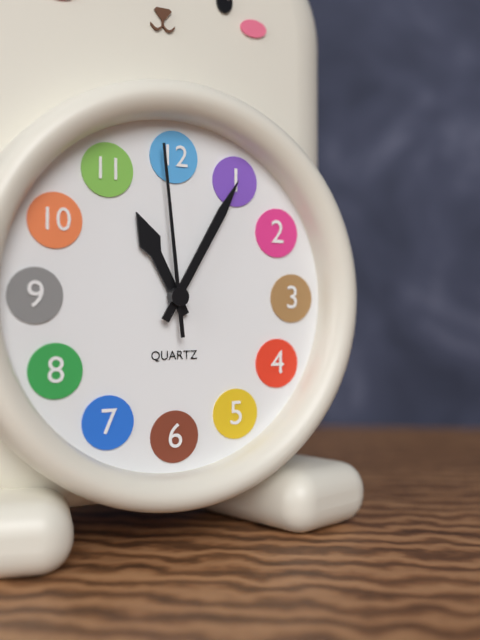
11:05:59
